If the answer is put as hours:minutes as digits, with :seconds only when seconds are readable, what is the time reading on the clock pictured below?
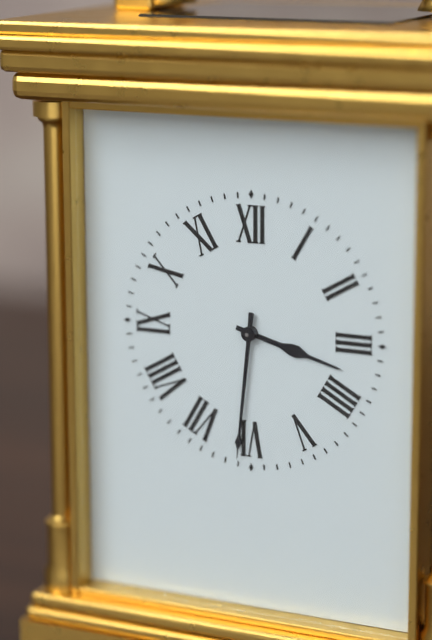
3:31
